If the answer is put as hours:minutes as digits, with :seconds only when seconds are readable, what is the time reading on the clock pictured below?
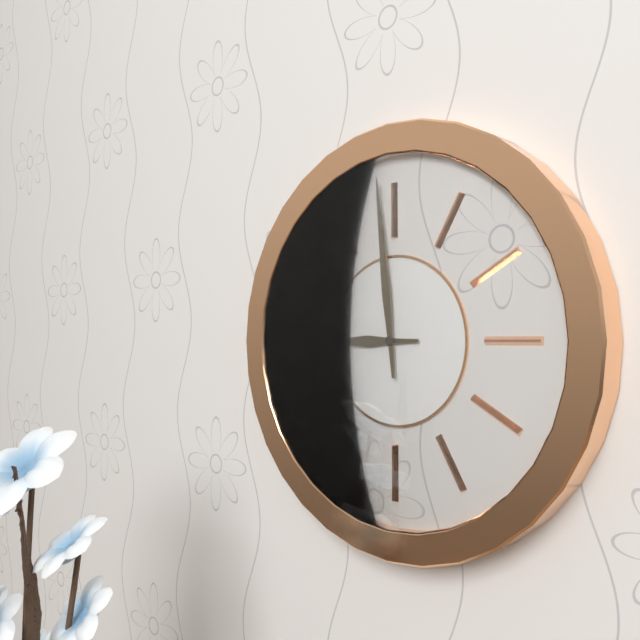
8:59
